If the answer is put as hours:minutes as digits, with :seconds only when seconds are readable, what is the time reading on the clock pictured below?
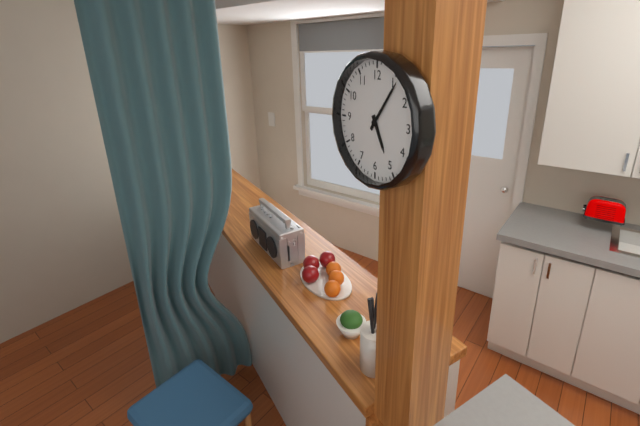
5:06
